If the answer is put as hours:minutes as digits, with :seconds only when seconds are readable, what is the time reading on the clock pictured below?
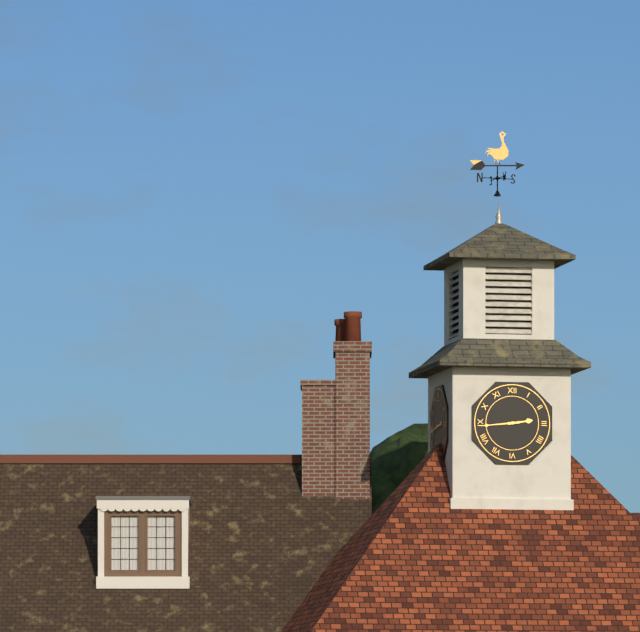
2:44
